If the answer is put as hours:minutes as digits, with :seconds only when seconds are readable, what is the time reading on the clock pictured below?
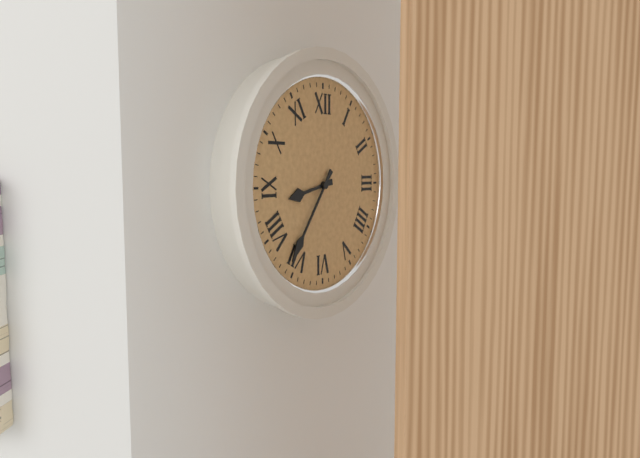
8:36
